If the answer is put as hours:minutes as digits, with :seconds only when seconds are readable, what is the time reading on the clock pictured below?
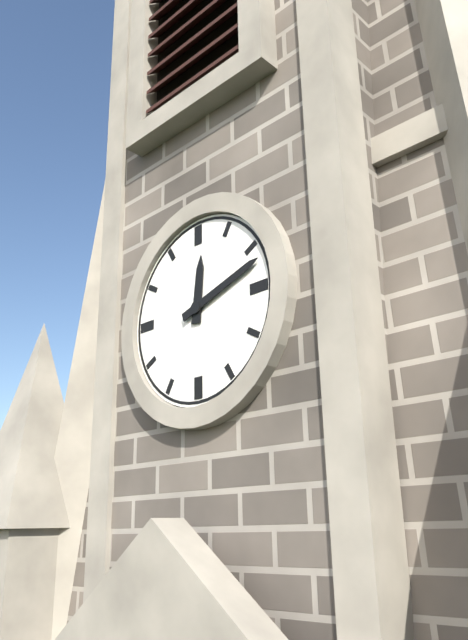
12:12
